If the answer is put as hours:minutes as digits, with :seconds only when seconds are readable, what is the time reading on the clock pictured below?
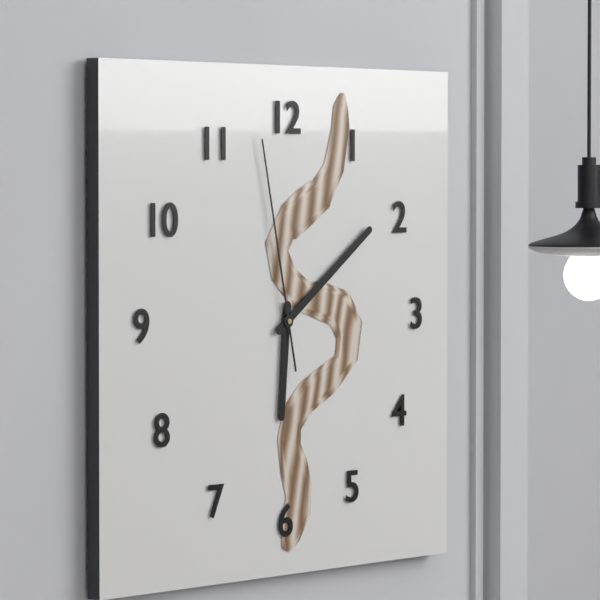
6:09:58
